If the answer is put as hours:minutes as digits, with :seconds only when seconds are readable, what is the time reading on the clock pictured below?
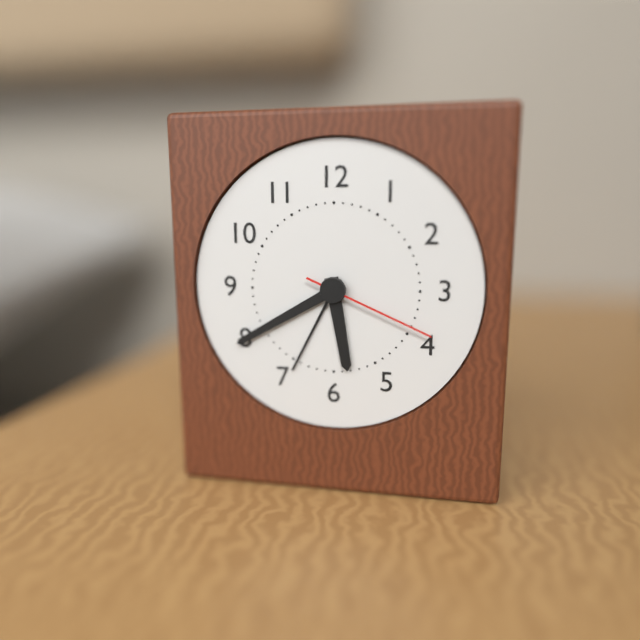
5:40:19
